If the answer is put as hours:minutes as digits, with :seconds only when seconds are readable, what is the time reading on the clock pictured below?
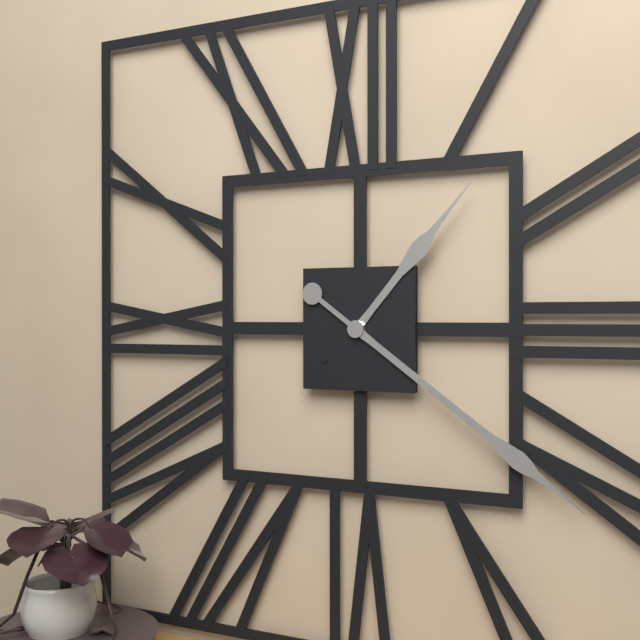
1:21
